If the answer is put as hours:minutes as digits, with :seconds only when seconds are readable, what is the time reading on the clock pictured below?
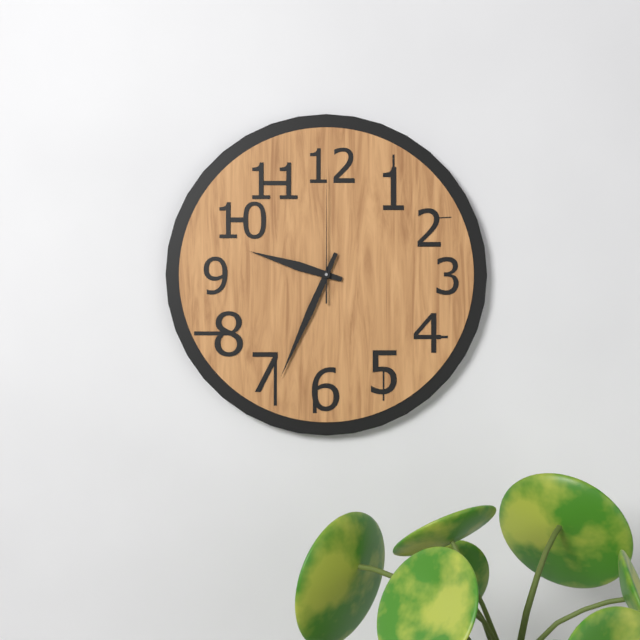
9:34:00
